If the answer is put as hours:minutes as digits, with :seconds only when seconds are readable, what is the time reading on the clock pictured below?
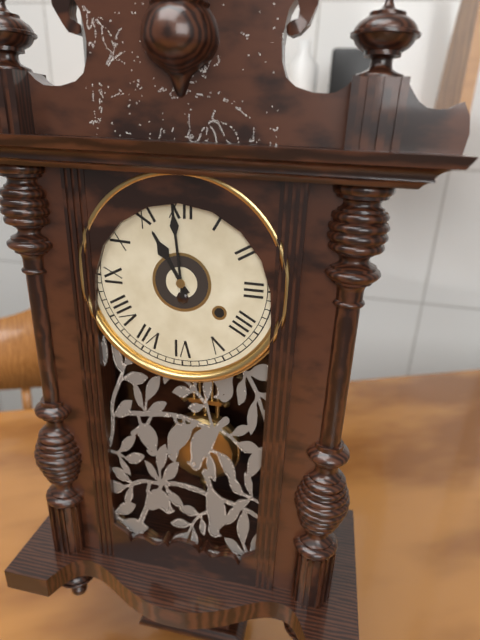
10:59
